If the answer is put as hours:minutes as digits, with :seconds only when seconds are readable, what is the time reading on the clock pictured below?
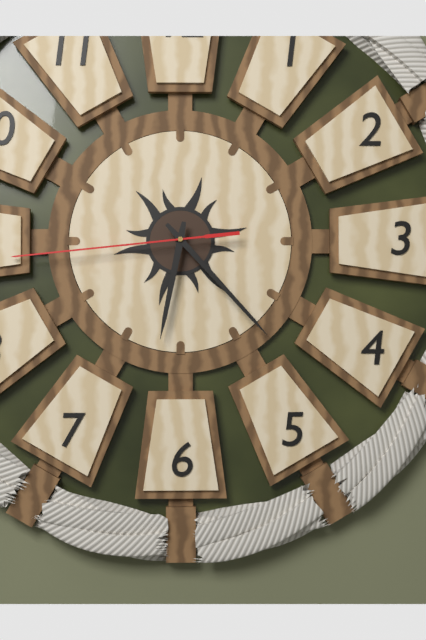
6:23:44
